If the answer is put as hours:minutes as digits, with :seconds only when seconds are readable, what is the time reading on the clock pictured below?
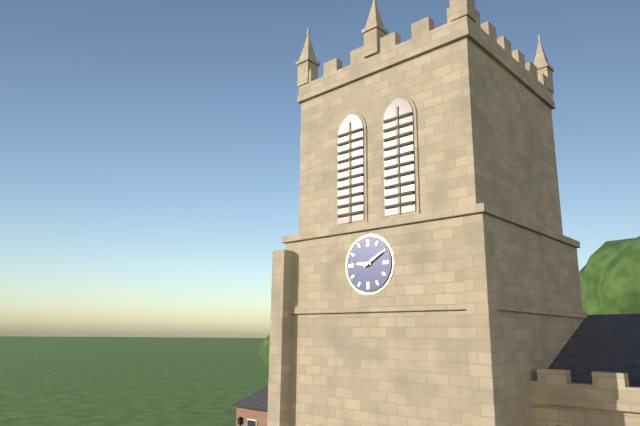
9:10
